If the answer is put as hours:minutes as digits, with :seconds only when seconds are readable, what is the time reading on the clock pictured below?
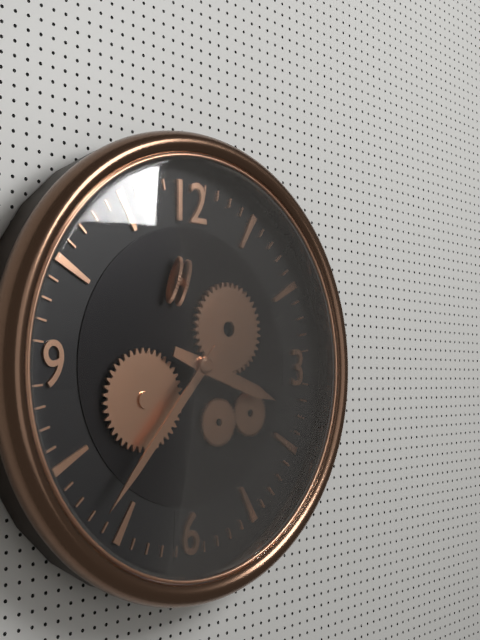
3:37
